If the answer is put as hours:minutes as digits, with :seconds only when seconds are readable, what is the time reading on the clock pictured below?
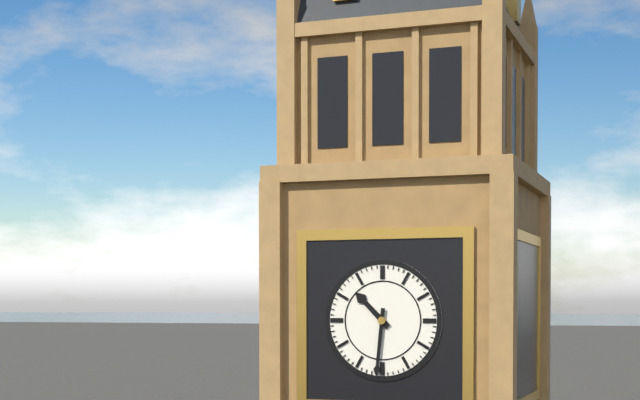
10:31
